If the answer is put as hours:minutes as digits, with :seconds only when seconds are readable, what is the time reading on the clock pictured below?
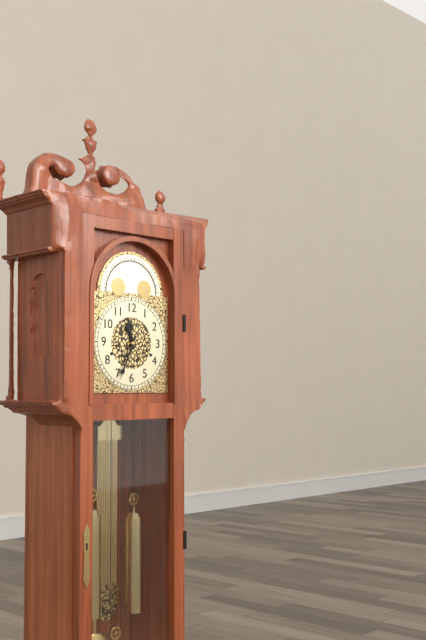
11:34
